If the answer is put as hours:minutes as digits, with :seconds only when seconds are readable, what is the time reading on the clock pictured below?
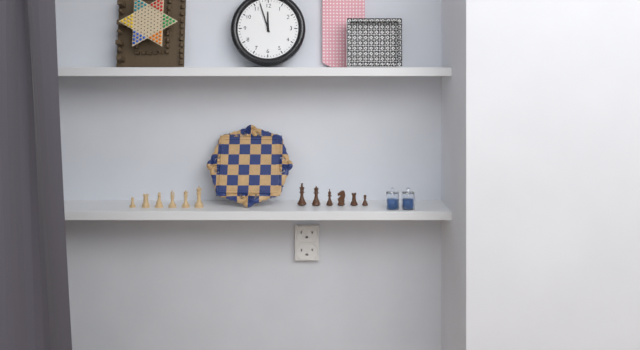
11:57
